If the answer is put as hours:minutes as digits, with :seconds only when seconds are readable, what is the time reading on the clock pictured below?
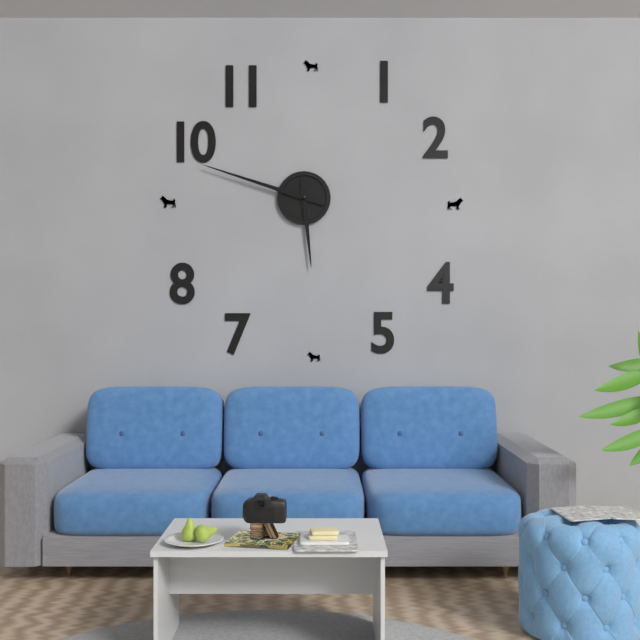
5:48
